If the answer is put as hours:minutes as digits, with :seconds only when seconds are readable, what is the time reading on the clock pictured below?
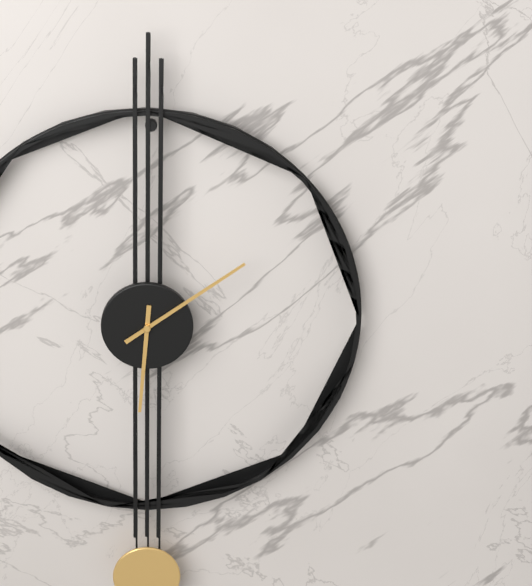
6:09
